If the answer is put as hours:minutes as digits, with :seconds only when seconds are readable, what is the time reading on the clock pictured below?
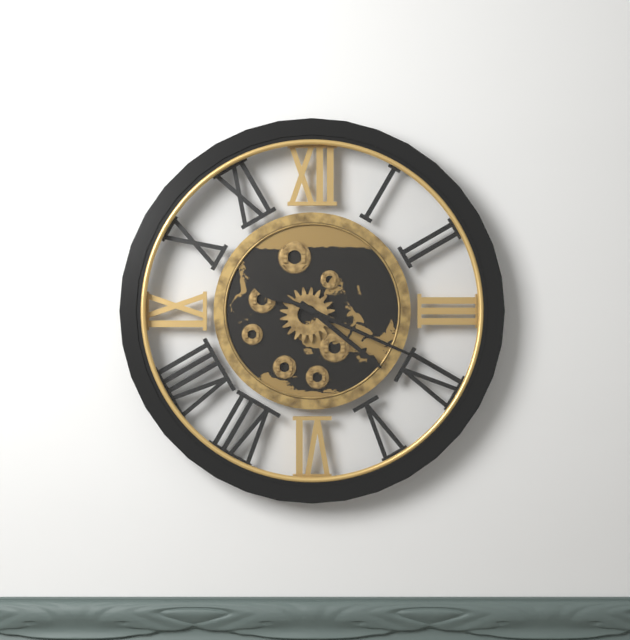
4:19
